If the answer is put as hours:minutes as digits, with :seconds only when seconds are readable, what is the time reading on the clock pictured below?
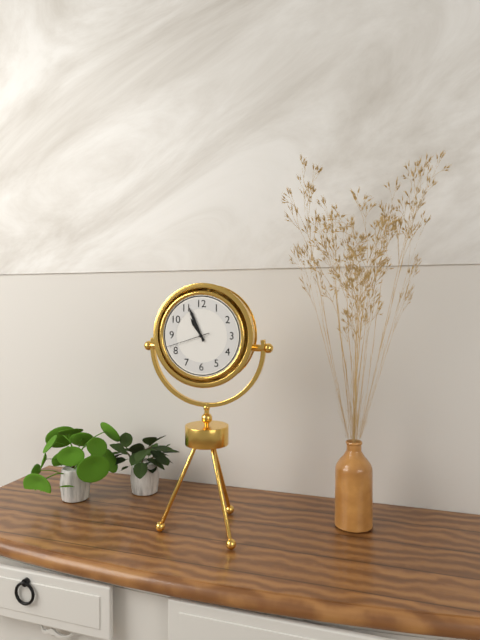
10:56
